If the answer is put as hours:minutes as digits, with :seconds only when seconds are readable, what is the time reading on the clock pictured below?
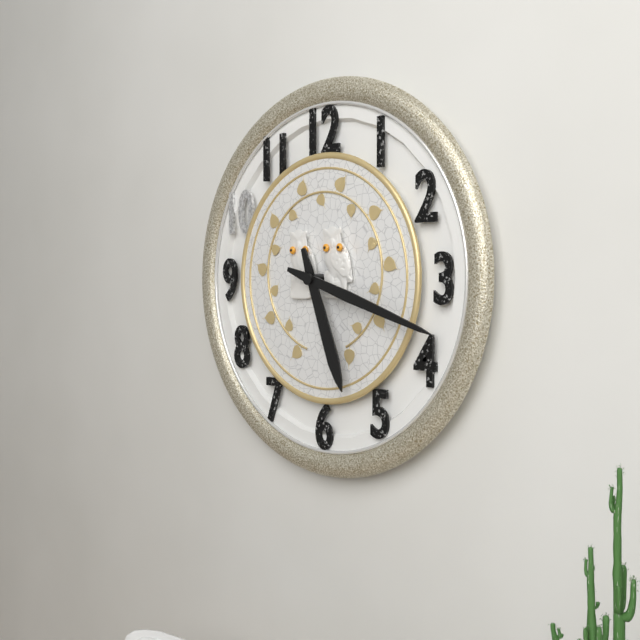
5:18
